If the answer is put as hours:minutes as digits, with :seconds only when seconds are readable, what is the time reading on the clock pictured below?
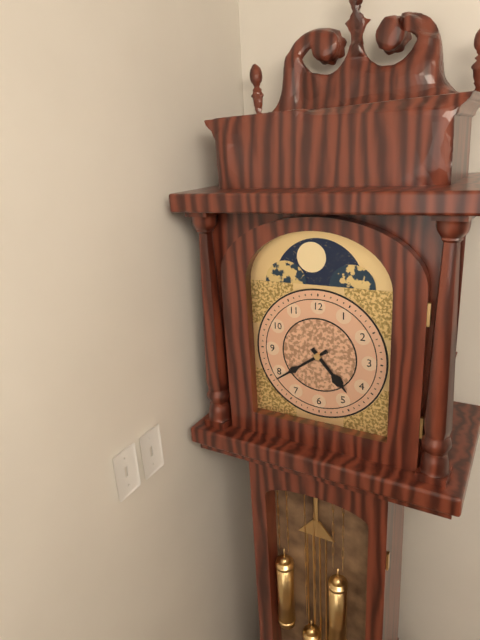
4:39
